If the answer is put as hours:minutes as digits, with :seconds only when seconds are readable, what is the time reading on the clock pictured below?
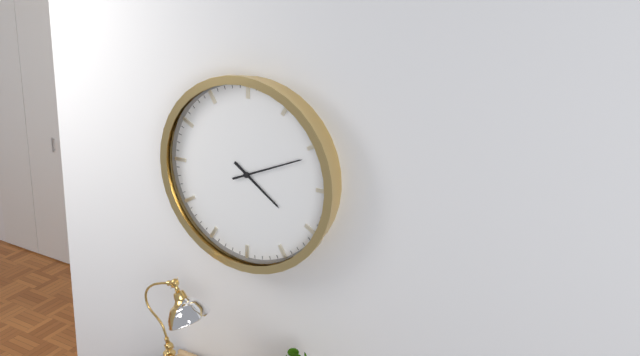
4:11
